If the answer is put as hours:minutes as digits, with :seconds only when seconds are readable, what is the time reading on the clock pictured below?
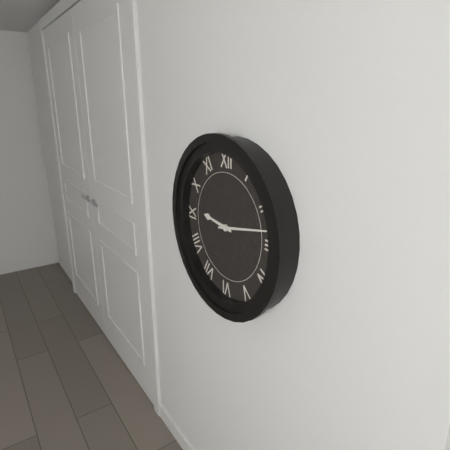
9:13
